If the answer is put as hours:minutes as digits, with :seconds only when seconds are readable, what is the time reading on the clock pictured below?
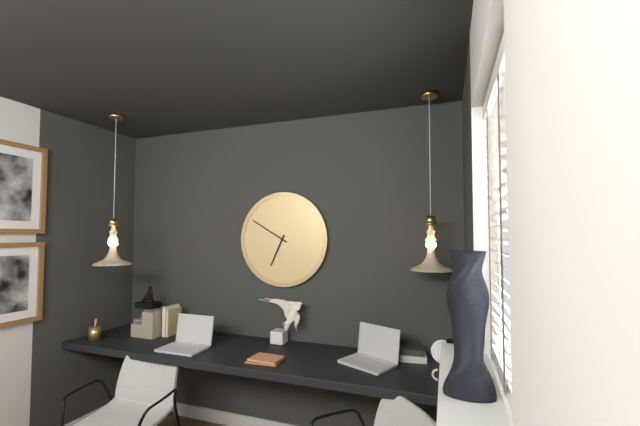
6:50
